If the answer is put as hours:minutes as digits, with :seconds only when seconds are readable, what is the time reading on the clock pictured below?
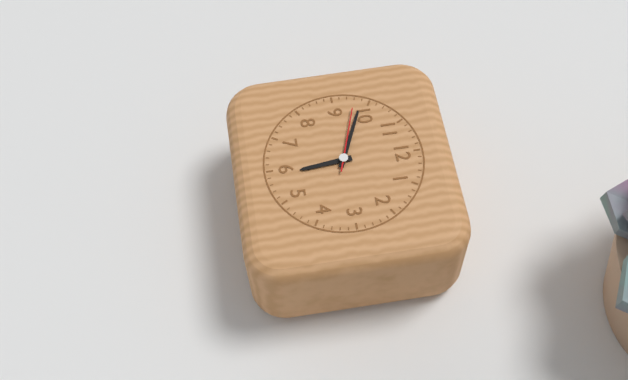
5:49:48
